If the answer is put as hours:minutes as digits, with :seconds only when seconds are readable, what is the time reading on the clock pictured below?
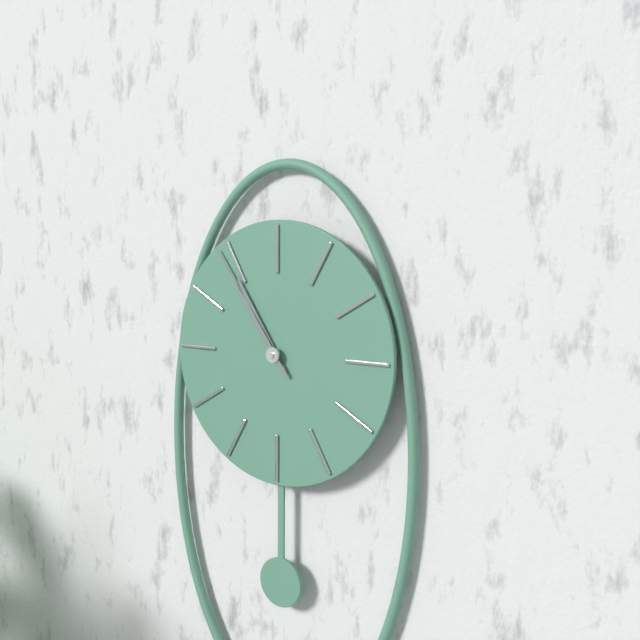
10:54
